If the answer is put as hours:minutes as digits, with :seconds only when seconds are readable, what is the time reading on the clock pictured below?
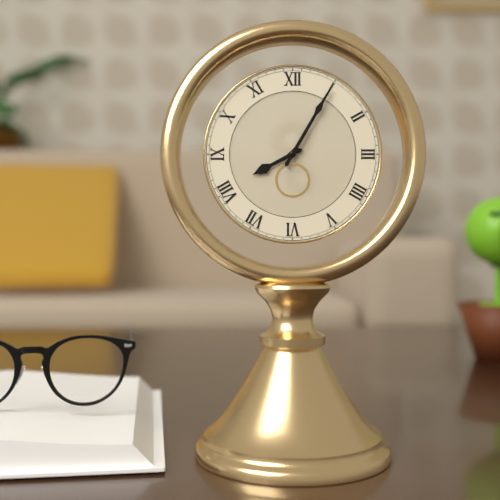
8:05
